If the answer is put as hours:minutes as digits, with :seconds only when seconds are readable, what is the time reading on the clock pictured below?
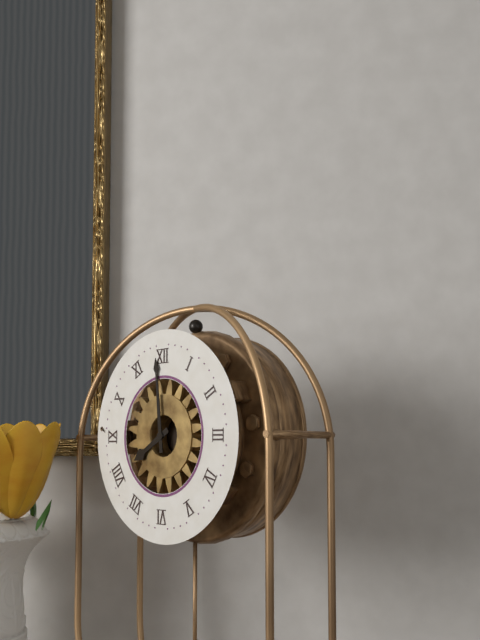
7:59
